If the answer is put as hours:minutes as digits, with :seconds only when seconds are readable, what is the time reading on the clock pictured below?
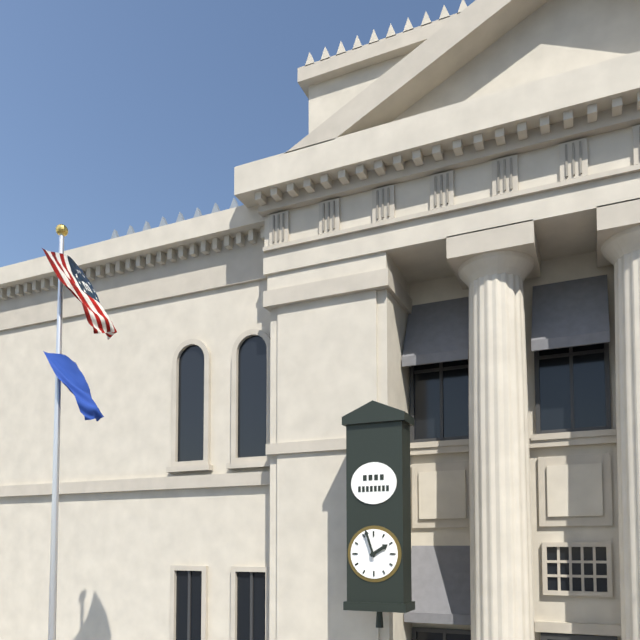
1:57
